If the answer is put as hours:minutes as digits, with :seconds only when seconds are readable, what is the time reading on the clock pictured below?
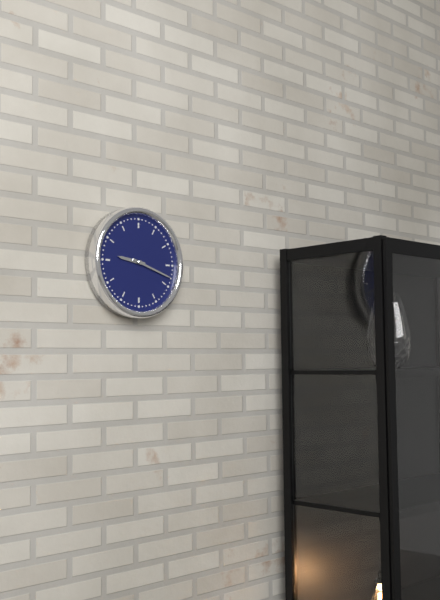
9:18
